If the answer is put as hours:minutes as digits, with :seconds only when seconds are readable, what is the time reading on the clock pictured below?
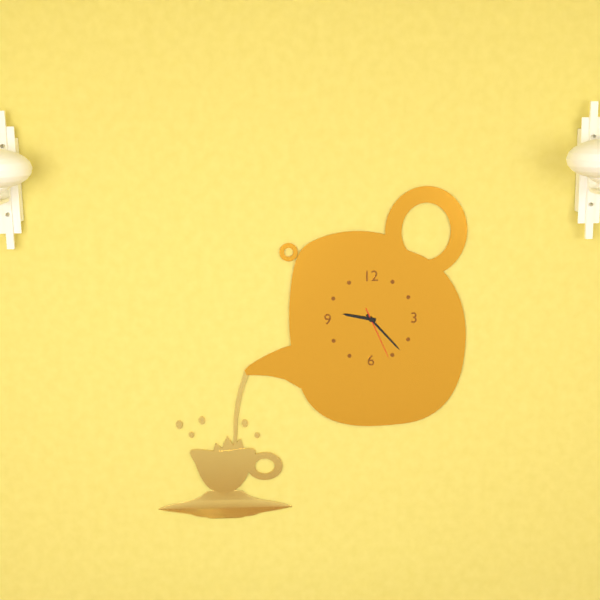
9:23:26
